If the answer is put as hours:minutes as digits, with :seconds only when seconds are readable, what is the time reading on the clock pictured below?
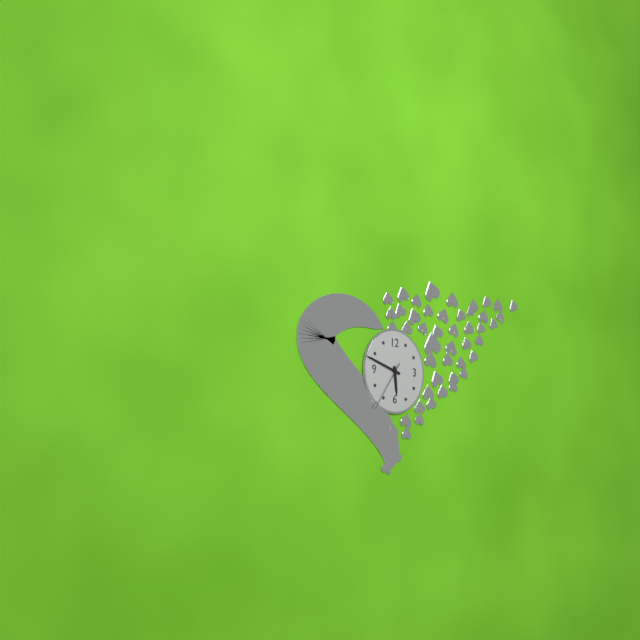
5:48:36
